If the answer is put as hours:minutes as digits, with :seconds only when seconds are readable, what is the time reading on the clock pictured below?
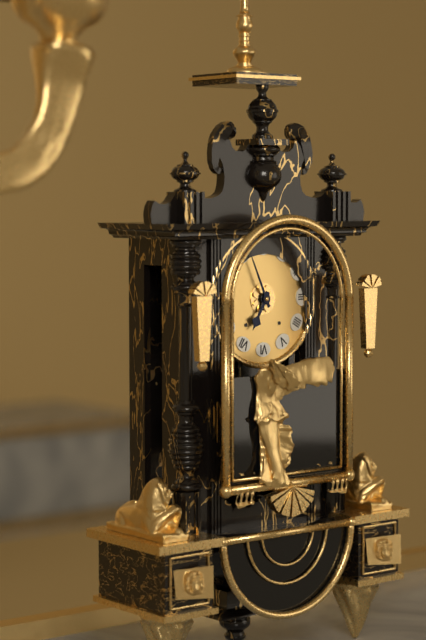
6:56
